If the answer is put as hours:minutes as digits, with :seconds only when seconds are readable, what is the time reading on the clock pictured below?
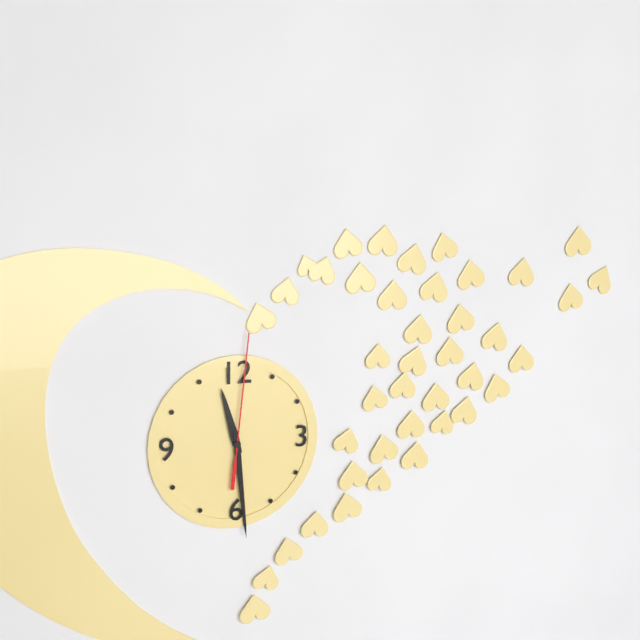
11:29:01
